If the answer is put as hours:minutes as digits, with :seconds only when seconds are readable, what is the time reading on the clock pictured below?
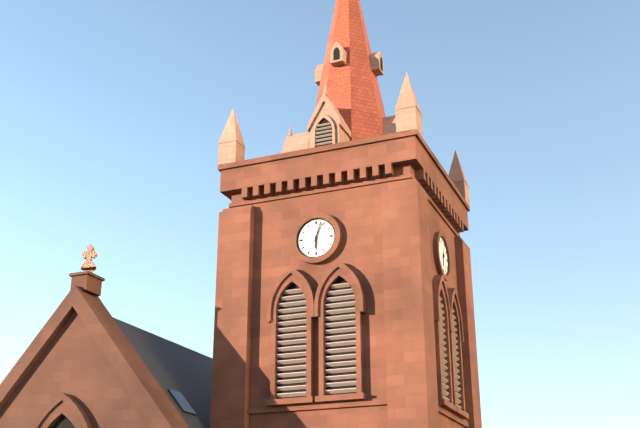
6:03
